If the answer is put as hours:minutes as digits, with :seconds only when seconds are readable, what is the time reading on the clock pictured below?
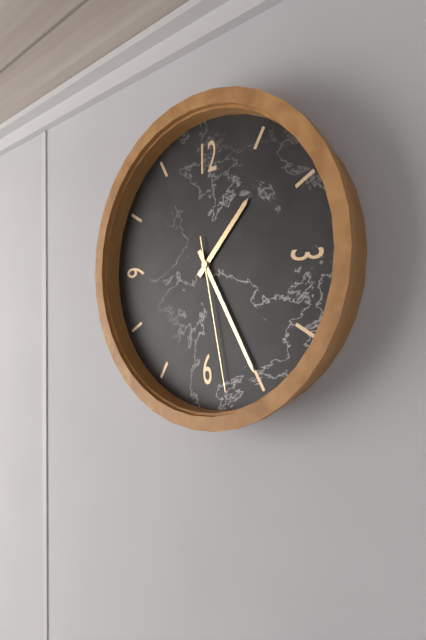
1:25:28
